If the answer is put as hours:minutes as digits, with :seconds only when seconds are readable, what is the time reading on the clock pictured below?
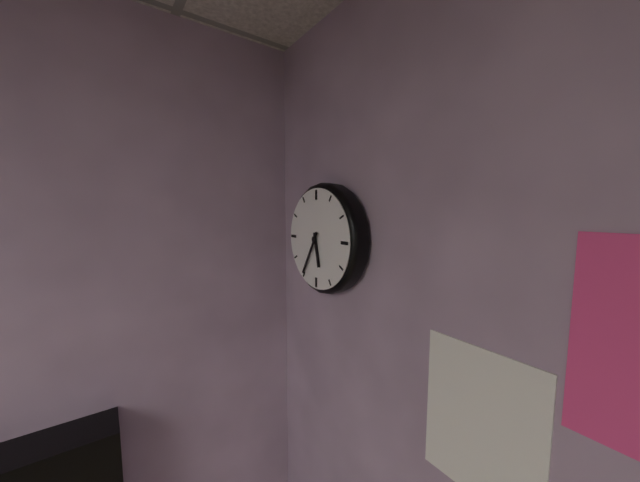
5:35
